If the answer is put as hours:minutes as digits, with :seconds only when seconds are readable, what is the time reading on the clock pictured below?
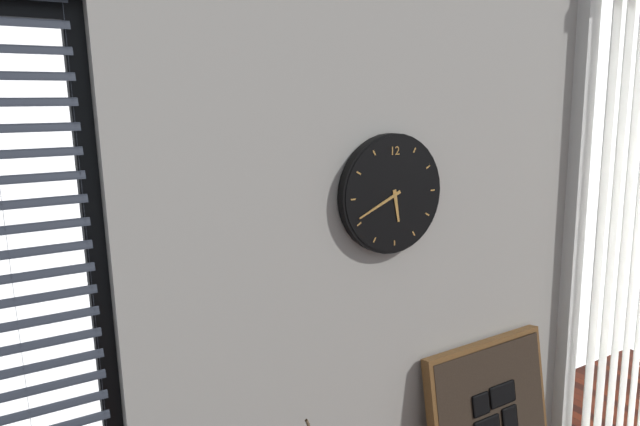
5:41
